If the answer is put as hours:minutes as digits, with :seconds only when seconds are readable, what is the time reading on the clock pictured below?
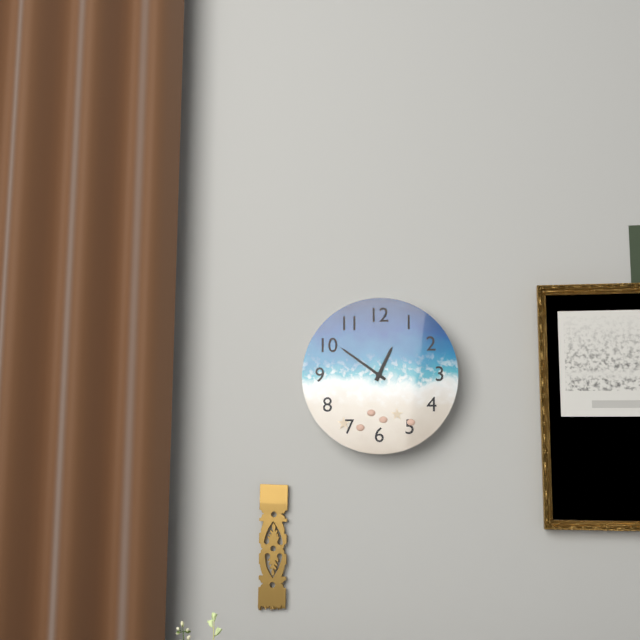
12:51
